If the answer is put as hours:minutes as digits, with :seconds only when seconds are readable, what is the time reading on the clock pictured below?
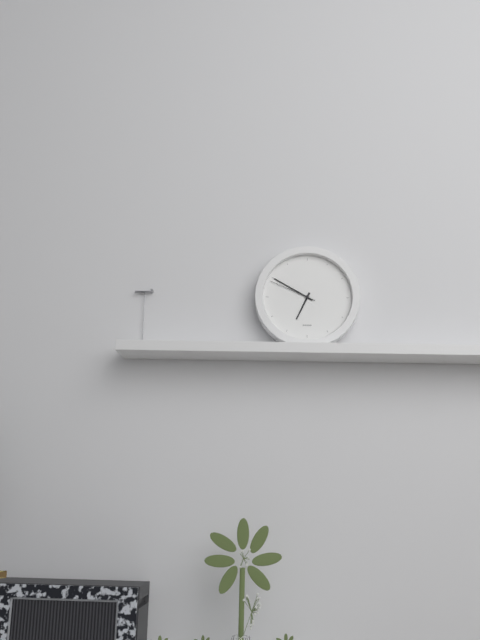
6:50
